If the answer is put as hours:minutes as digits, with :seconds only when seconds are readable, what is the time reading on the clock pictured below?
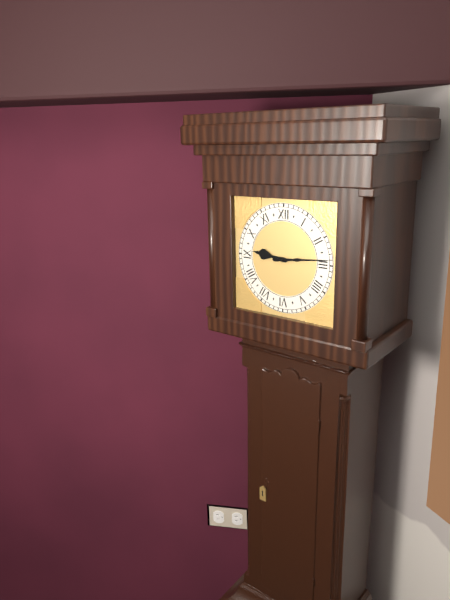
9:14
